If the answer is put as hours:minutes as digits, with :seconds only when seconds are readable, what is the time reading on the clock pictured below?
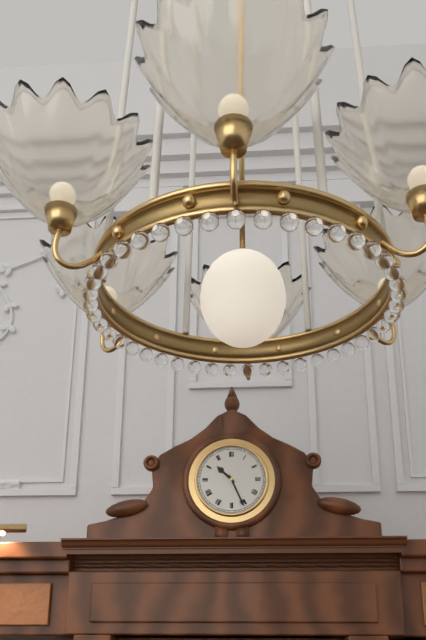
10:26
